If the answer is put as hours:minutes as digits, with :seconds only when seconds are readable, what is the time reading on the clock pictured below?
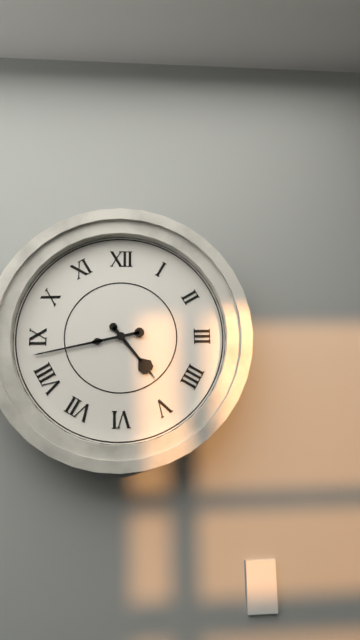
4:43
